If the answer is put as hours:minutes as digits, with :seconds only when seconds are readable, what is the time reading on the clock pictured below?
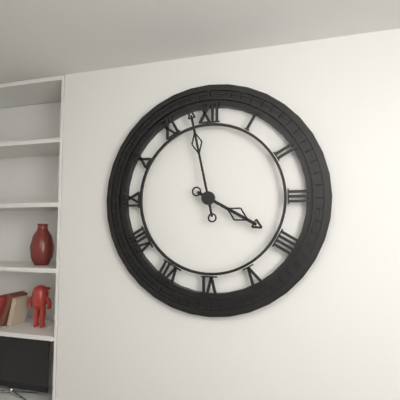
3:58
